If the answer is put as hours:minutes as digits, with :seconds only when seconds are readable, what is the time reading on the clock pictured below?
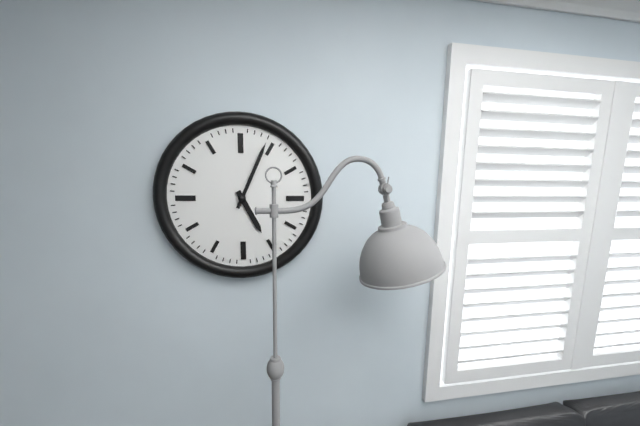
5:04
